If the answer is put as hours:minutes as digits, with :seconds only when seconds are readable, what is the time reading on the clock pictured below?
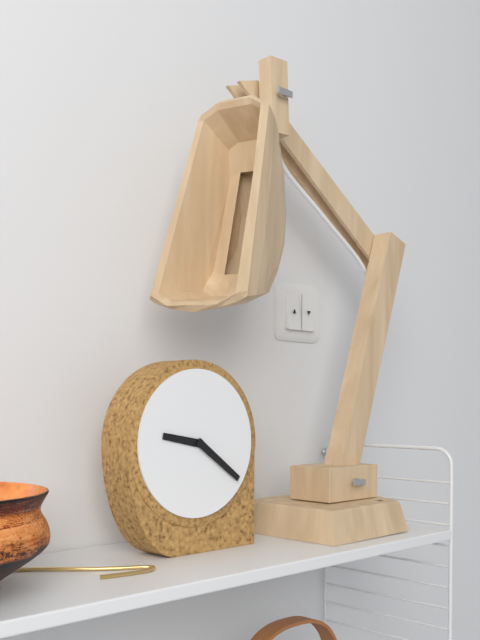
9:21
